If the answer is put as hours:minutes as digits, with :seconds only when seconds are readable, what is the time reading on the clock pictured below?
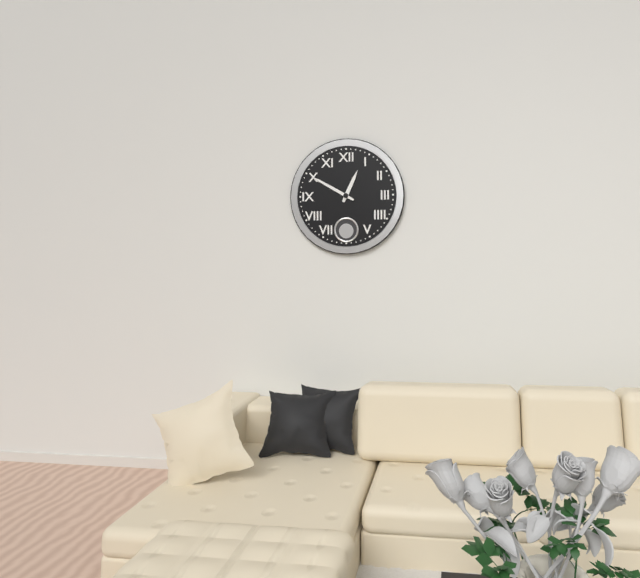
12:50
